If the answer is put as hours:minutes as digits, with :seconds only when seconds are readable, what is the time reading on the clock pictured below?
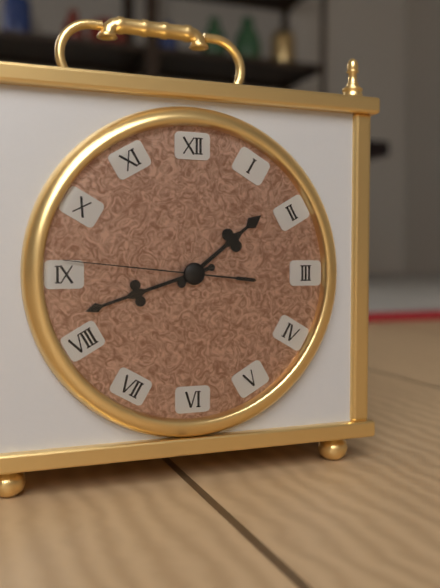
1:42:46
